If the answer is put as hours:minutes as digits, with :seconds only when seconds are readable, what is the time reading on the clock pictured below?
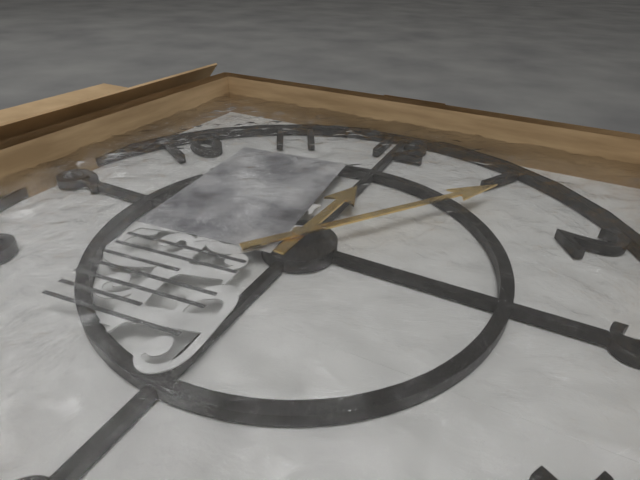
12:06
